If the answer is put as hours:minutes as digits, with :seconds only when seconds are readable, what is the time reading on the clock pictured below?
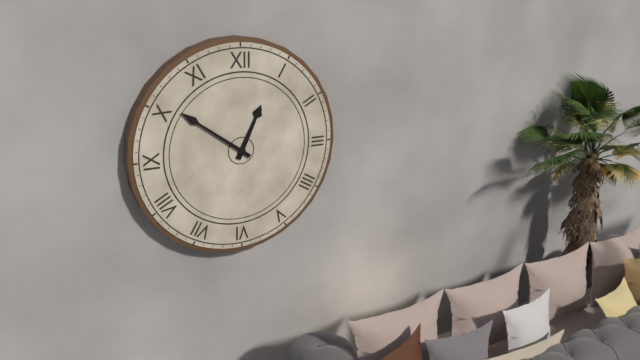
12:51
